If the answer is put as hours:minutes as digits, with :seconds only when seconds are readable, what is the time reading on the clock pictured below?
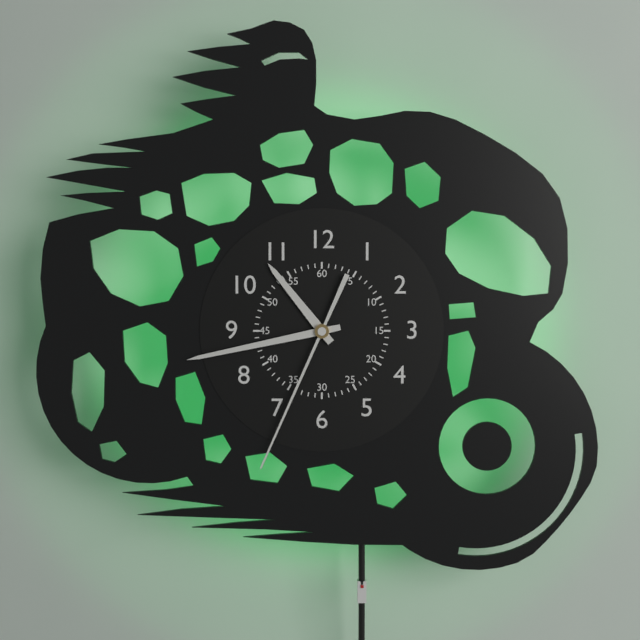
10:43:34
